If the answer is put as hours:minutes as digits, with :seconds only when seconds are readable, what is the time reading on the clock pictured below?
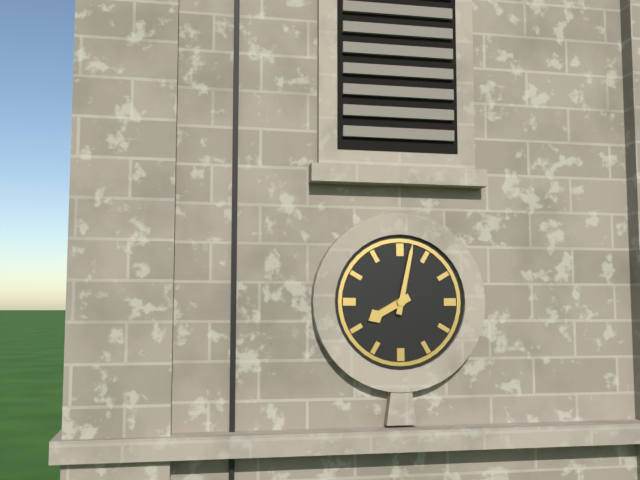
8:02
